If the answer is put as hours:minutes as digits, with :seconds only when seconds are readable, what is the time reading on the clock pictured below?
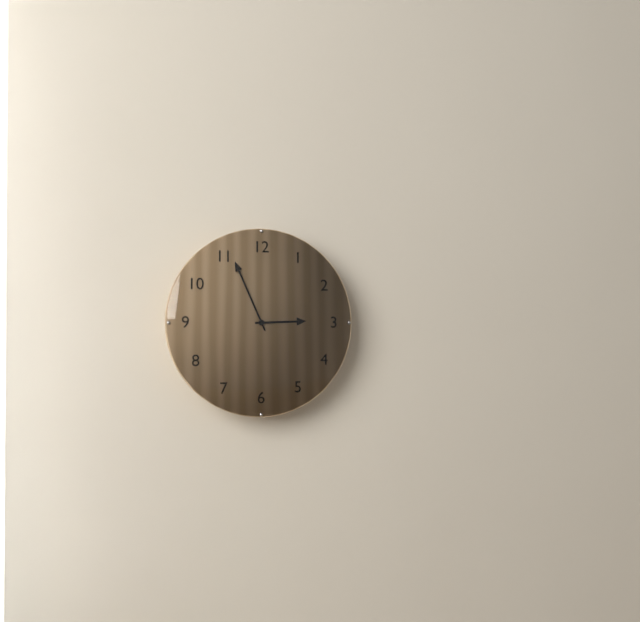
2:56
